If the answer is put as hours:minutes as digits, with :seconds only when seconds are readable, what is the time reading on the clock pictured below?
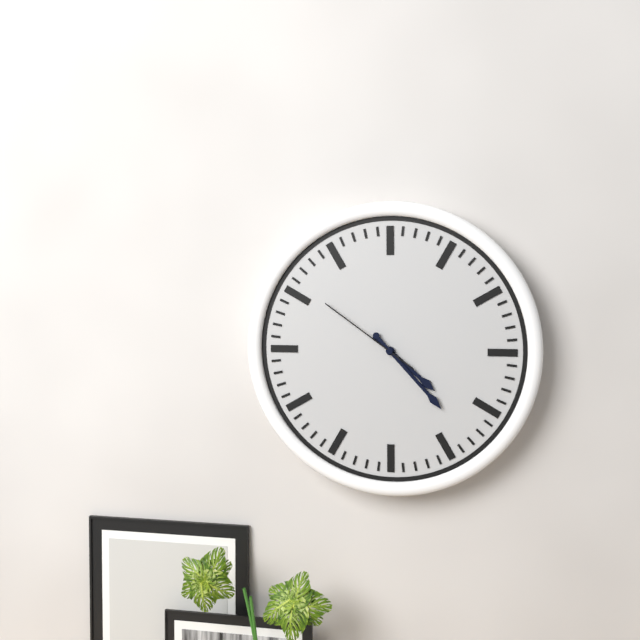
4:23:51
